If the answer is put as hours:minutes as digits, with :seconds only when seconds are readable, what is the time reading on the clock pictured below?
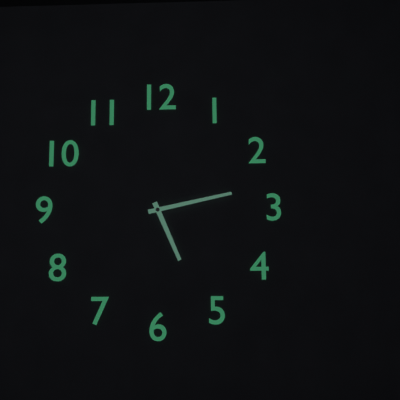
5:13
